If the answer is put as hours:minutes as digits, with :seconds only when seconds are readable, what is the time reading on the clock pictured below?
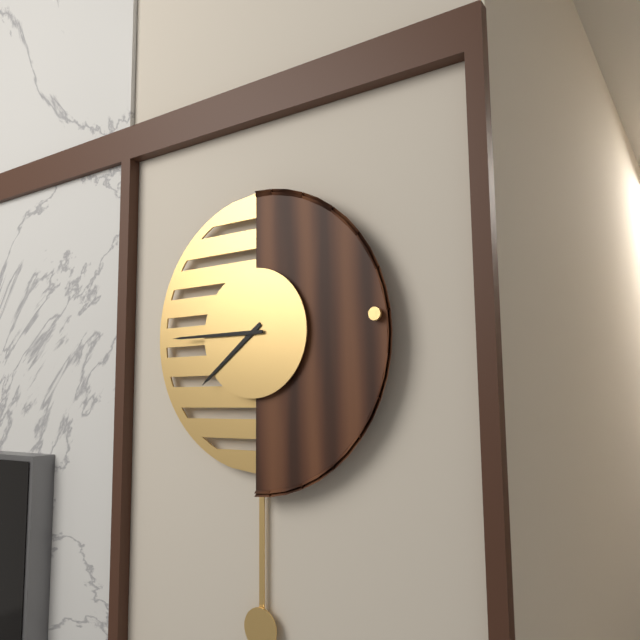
7:45
